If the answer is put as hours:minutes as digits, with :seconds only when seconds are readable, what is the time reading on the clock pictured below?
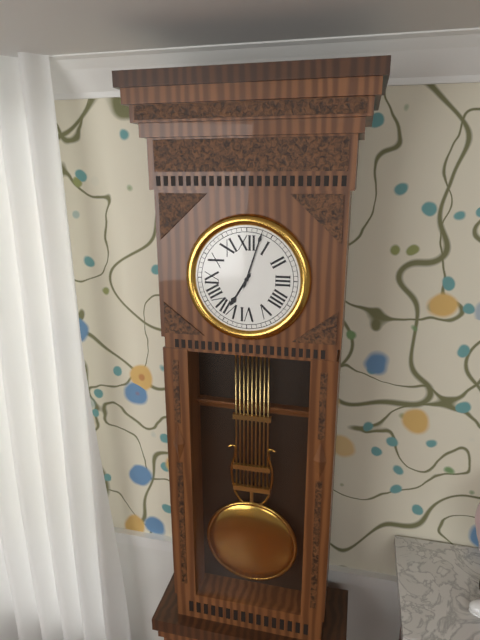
7:03
